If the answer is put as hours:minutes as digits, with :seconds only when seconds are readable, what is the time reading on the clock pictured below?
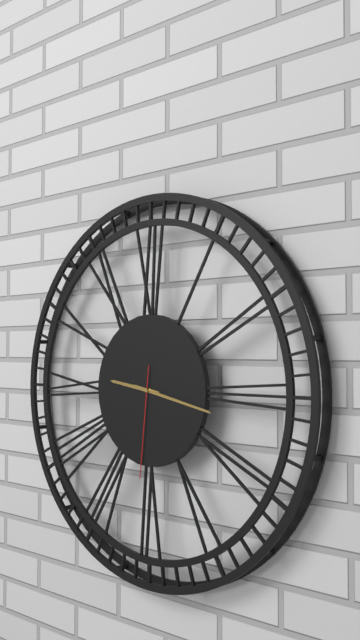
9:17:31
